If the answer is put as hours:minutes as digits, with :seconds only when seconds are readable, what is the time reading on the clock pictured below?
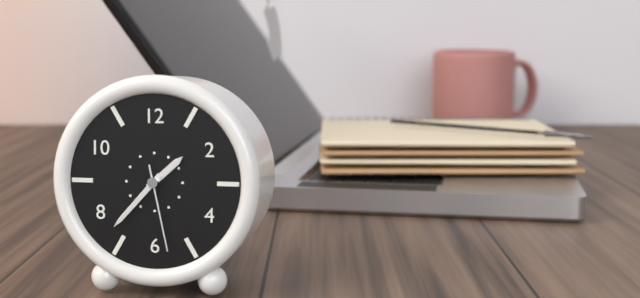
1:37:28
